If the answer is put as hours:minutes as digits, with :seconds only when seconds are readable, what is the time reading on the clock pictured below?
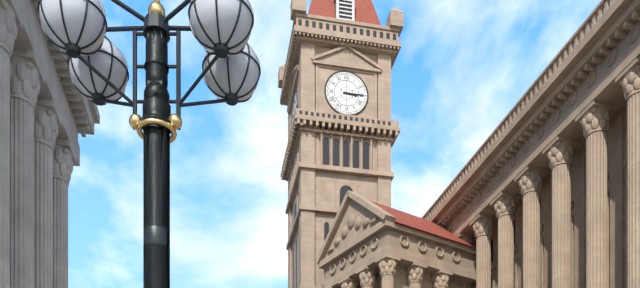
3:15
